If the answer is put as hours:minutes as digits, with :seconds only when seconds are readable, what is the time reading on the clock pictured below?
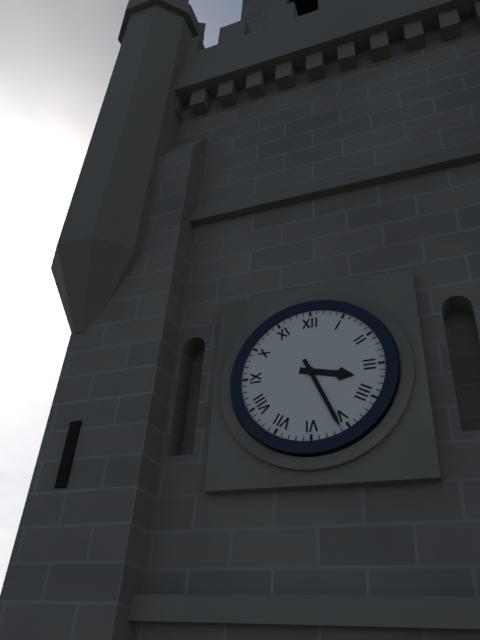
3:26
